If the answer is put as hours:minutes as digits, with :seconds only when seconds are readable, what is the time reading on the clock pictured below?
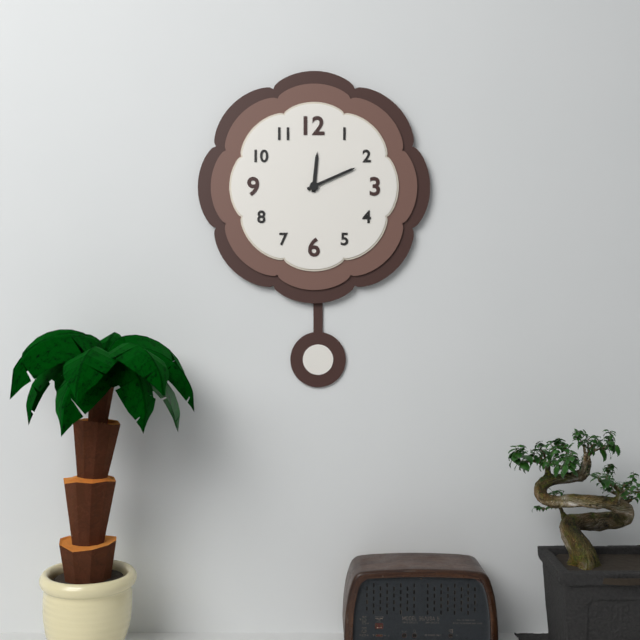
12:11
